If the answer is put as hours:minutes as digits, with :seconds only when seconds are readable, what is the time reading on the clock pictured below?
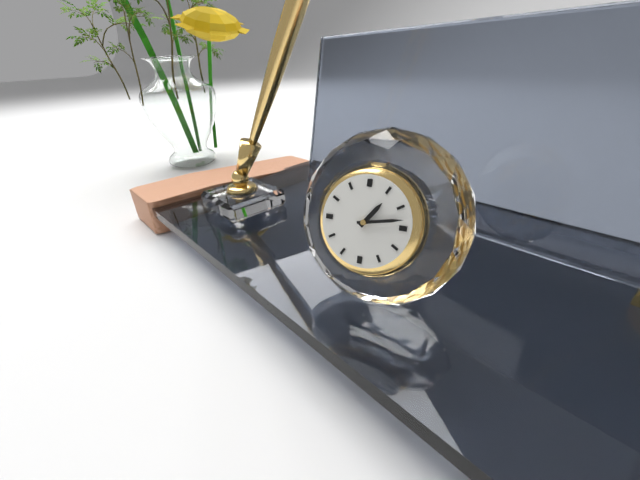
1:13
